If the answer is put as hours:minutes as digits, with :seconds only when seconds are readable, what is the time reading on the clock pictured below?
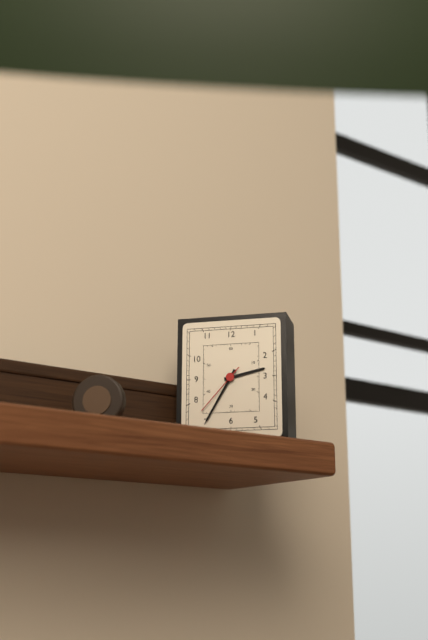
2:35:37
